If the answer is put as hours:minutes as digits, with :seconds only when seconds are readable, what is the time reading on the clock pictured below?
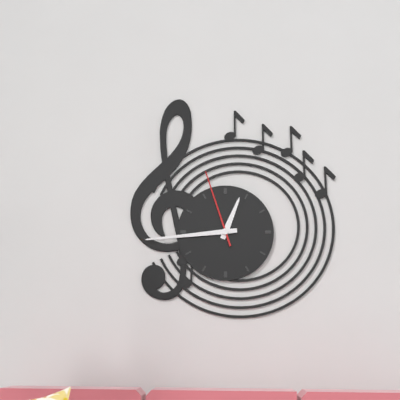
12:44:57
